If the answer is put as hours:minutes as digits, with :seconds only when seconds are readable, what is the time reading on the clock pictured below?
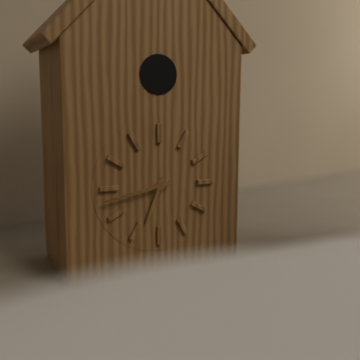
6:43
